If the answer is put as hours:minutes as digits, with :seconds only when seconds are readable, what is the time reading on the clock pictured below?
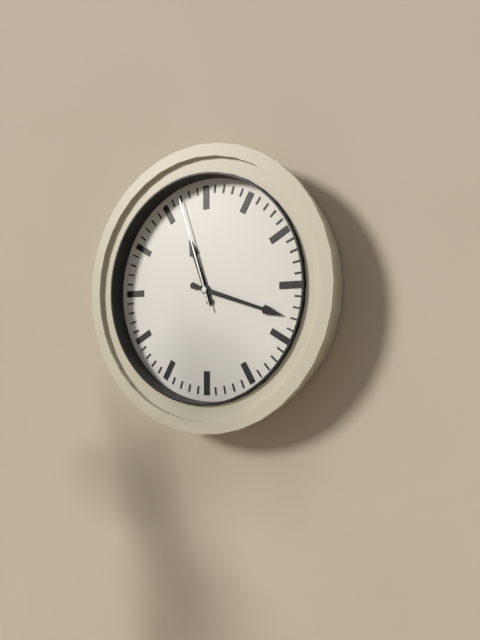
11:18:57
